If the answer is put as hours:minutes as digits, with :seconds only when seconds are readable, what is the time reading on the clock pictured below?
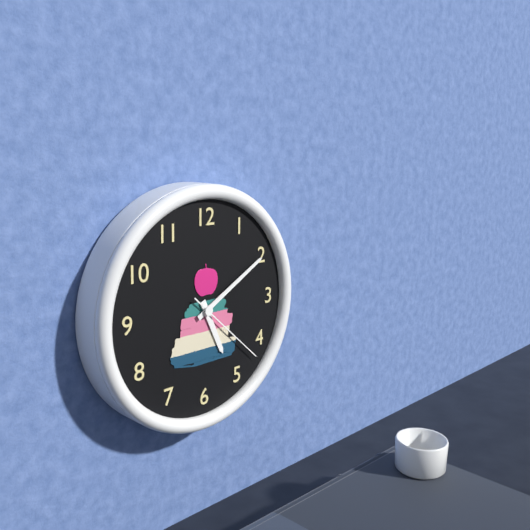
5:10:22
